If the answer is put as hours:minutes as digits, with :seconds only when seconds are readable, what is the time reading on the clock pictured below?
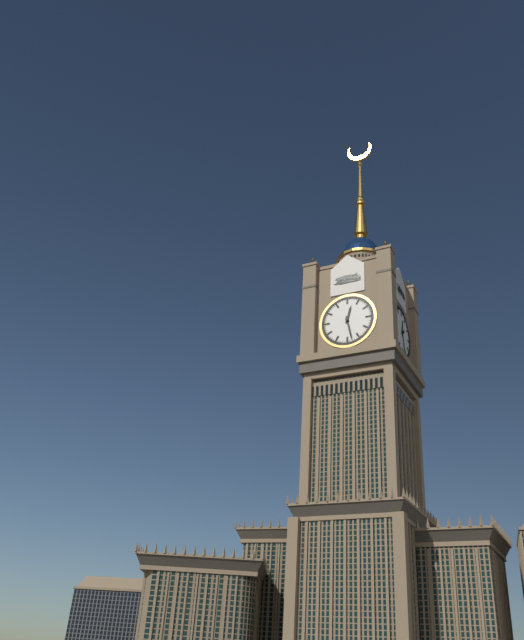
12:28
